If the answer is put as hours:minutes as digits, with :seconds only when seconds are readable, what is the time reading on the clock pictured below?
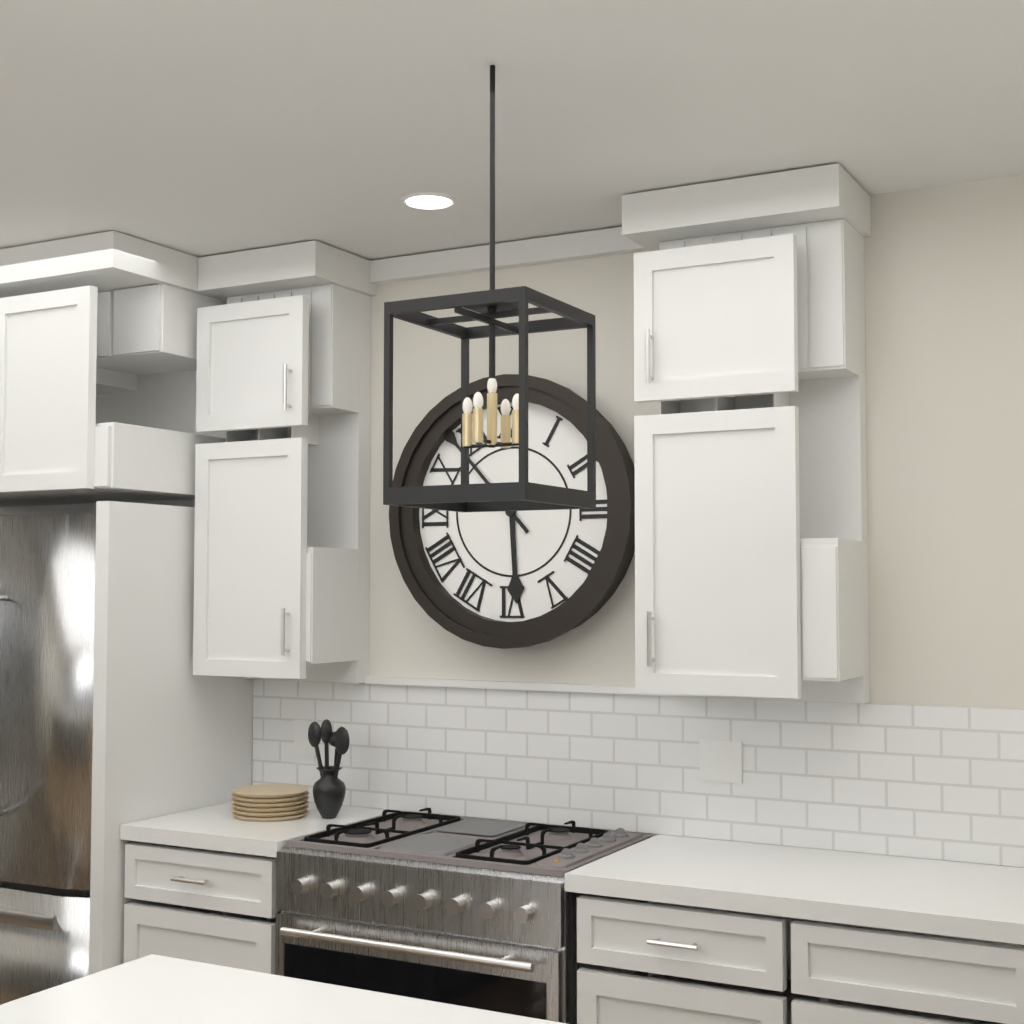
5:53
